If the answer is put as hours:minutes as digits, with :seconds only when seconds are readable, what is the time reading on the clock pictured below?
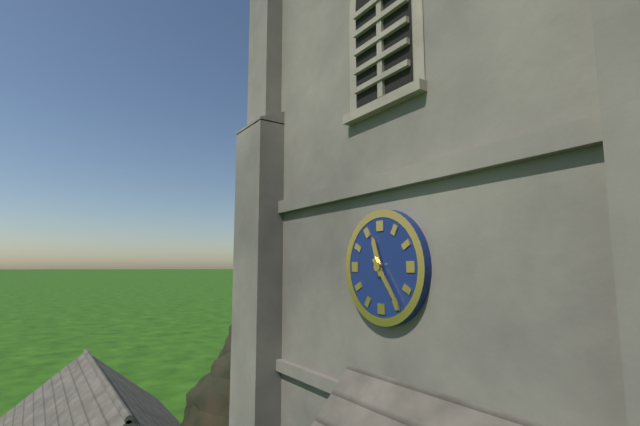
11:24
